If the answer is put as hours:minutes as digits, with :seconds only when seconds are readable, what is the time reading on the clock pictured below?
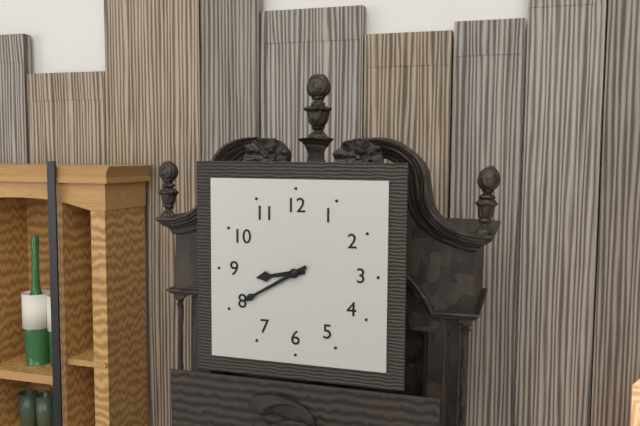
8:40
